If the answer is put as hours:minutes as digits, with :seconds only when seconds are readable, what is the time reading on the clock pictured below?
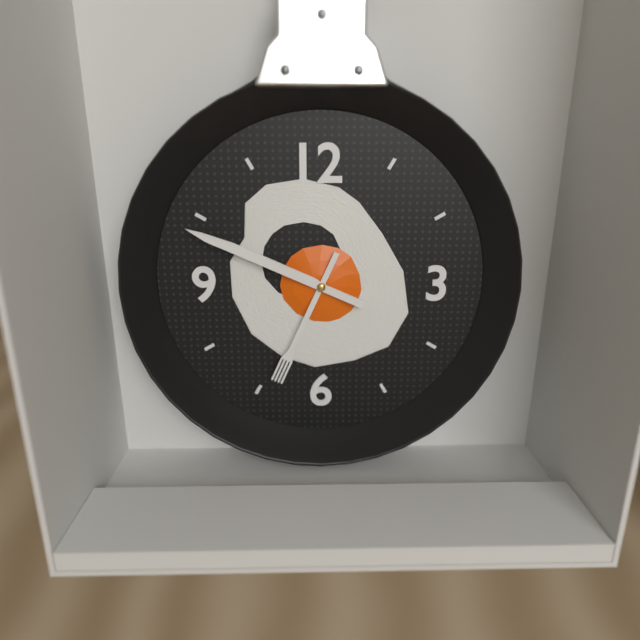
6:49
